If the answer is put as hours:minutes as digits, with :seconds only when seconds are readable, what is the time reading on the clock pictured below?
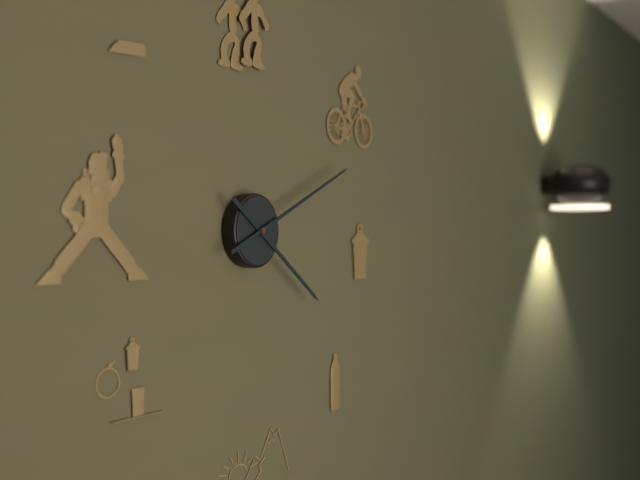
4:11
